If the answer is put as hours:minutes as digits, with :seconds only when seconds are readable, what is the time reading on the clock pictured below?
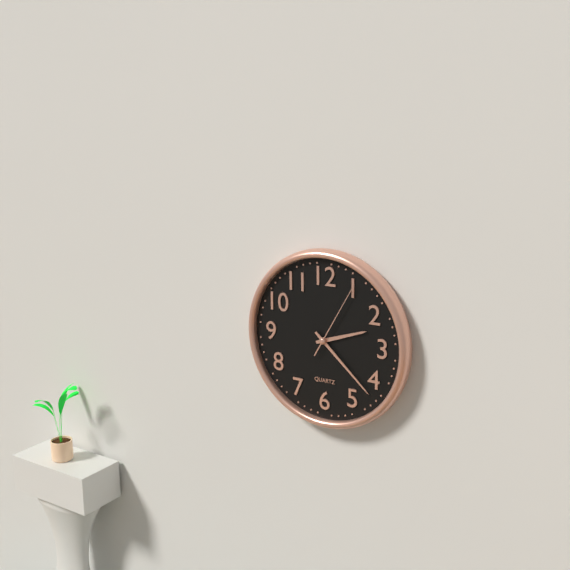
2:22:05
